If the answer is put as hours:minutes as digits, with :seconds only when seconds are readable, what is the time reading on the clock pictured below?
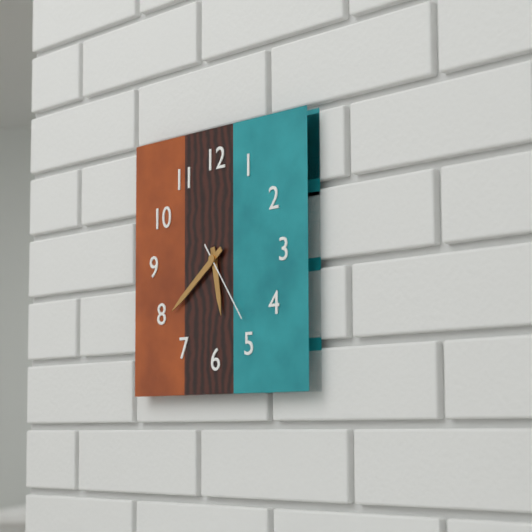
5:39:24
